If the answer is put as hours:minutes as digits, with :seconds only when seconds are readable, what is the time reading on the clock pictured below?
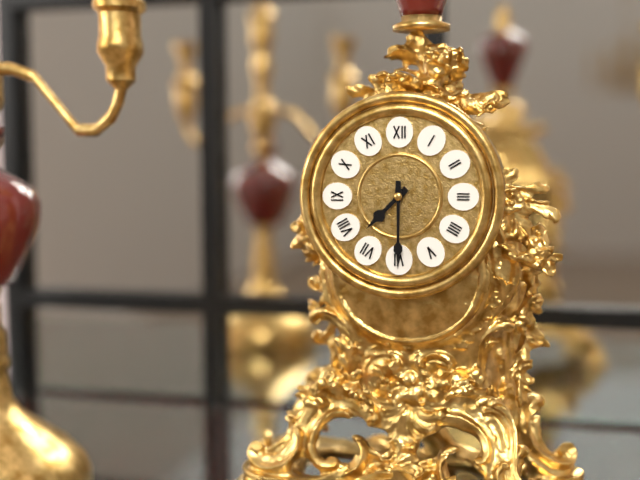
7:30
